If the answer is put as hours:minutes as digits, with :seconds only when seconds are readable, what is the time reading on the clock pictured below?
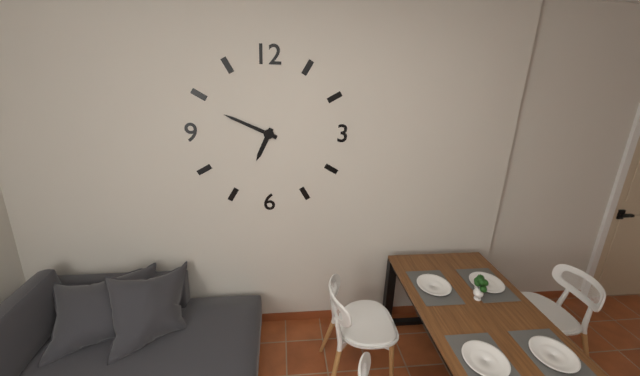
6:49
